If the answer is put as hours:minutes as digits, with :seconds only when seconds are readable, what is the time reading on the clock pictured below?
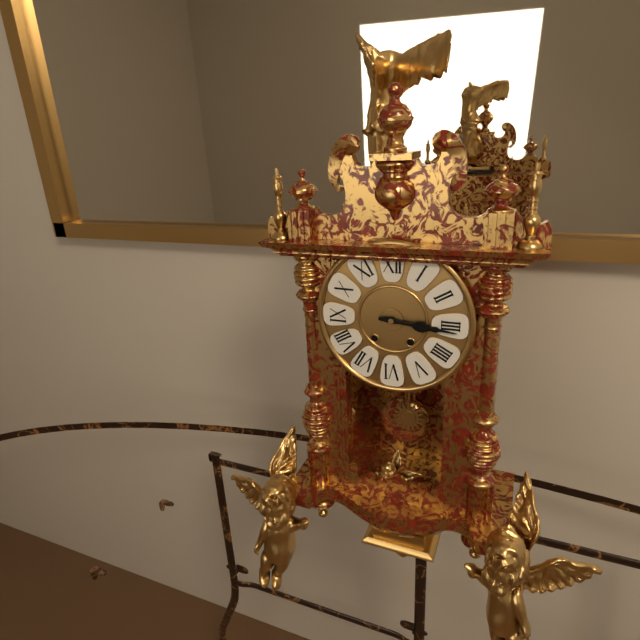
3:16
